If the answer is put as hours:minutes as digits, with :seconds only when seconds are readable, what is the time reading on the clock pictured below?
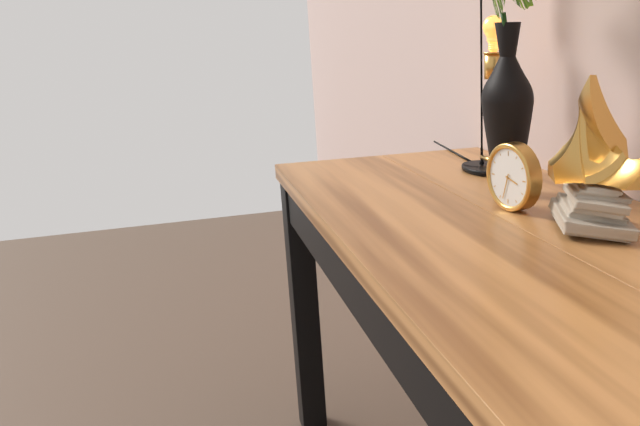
3:33
